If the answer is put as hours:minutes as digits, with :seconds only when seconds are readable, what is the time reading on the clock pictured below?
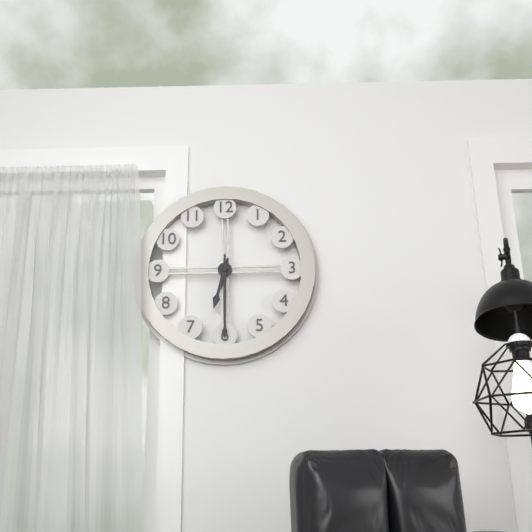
6:30
